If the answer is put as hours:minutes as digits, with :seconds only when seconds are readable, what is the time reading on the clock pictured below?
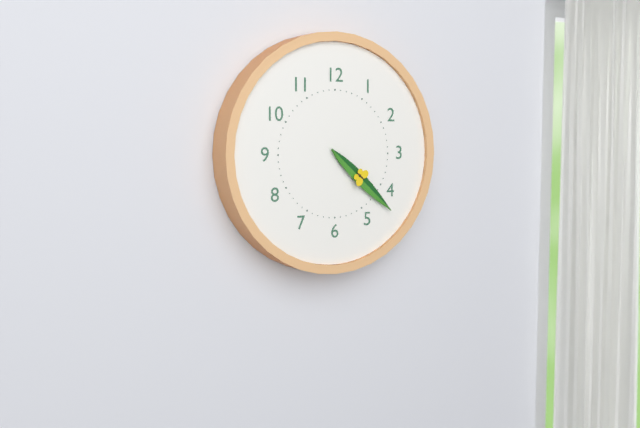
4:22
